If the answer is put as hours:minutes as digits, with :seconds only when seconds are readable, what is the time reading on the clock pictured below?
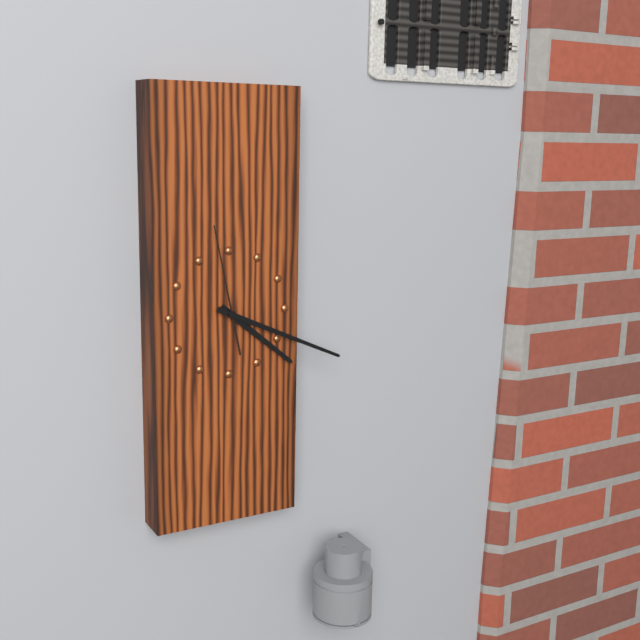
4:19:58
